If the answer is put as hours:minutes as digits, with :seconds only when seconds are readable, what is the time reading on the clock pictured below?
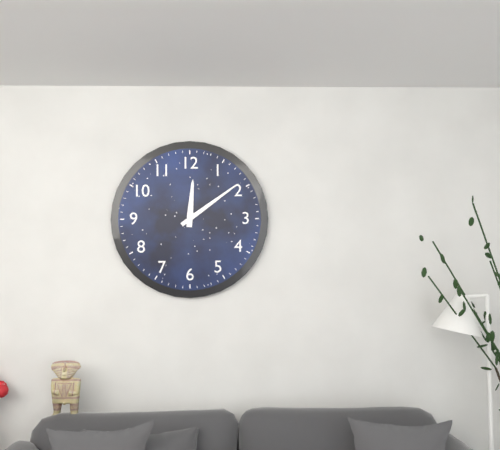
12:09
